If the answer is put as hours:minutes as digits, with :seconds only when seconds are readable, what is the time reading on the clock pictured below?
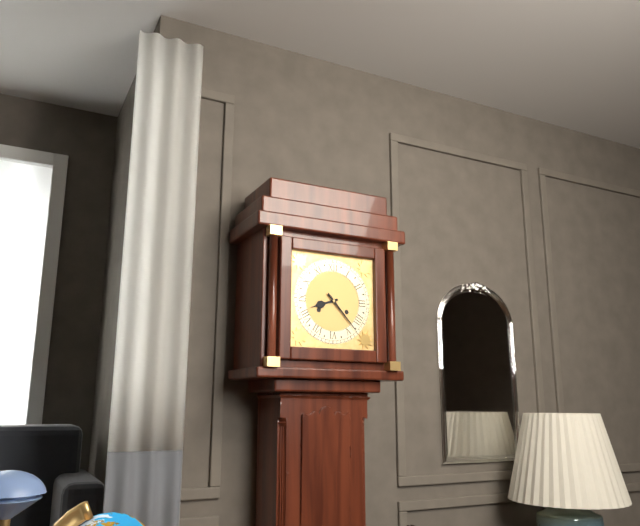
8:23
